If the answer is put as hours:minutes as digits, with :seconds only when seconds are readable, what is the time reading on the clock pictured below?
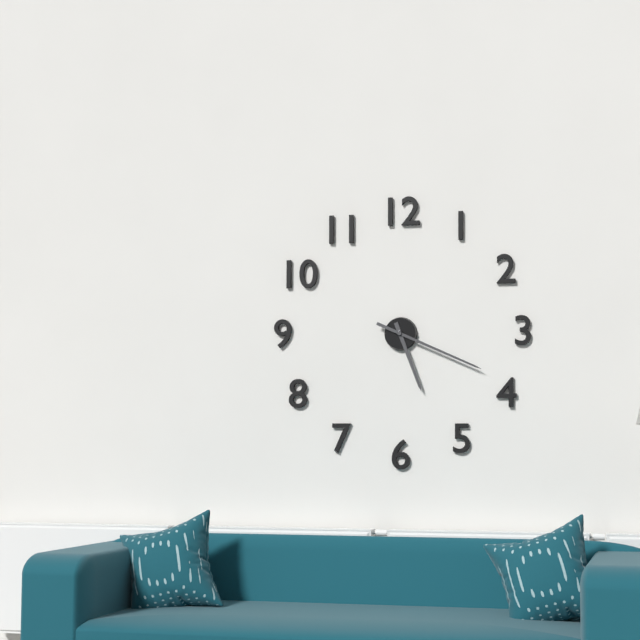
5:19
